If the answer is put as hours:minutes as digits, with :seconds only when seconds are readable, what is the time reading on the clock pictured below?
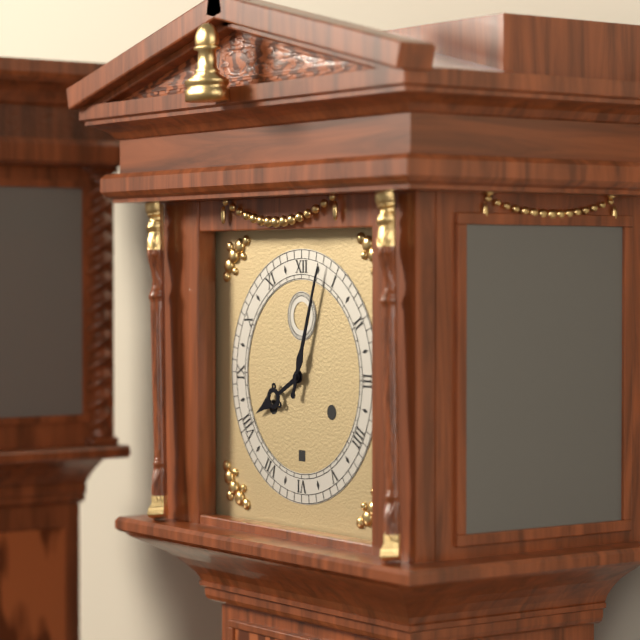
8:03
